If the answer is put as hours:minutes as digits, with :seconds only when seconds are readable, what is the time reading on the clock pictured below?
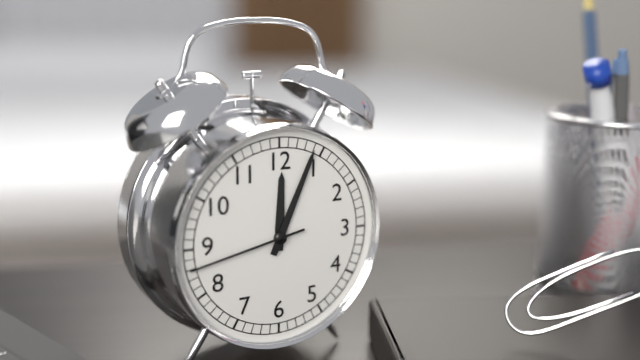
12:04:43
